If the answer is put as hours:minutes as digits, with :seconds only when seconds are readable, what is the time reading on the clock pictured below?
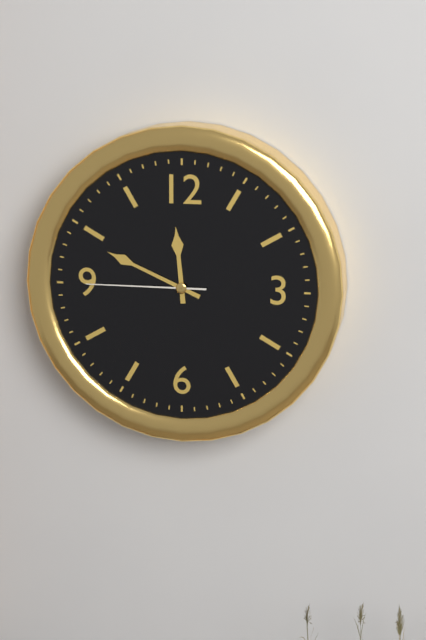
11:49:45
